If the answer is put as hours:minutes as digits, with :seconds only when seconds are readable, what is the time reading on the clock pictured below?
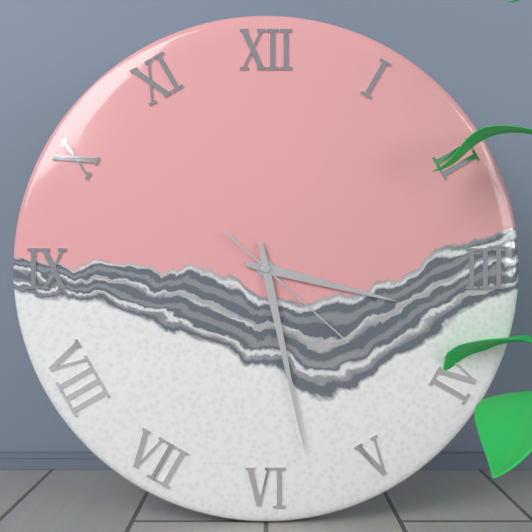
3:28:22
